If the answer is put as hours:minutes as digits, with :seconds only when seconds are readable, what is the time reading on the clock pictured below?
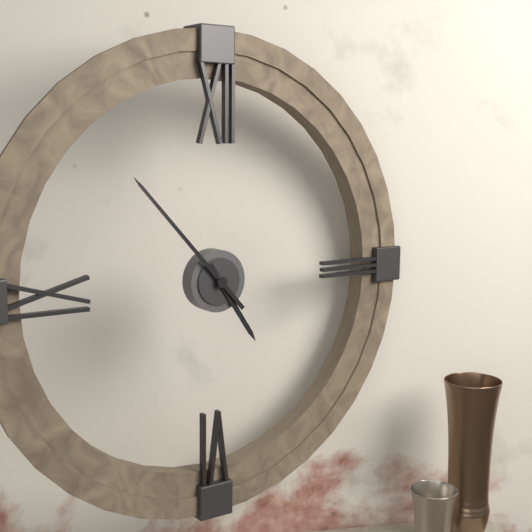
4:53
